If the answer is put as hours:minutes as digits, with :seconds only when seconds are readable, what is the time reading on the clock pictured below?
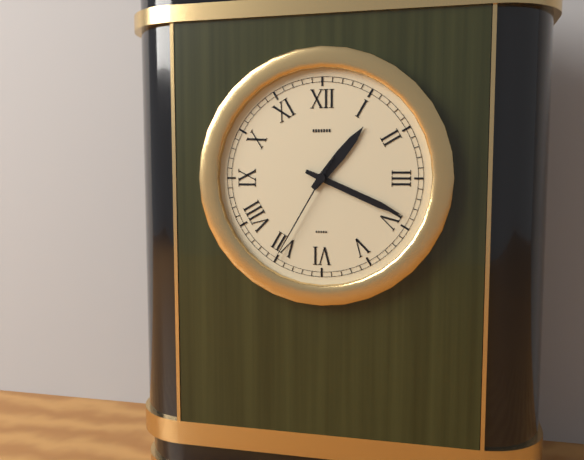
1:19:35
